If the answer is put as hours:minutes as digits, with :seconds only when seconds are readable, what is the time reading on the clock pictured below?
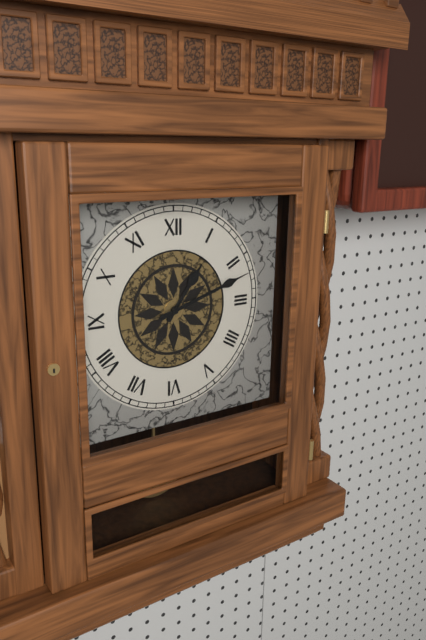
1:12
